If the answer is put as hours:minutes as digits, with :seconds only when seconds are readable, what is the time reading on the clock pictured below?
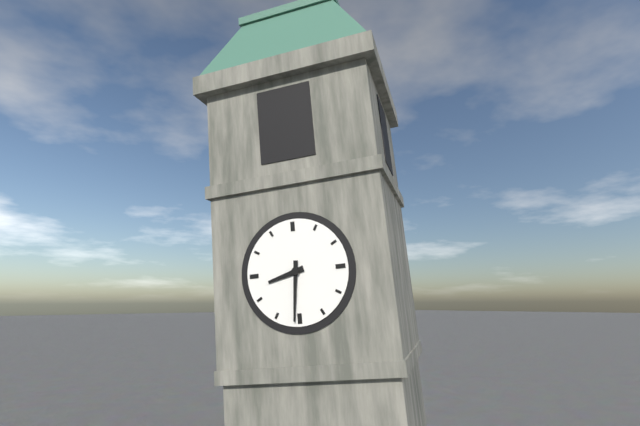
8:31
